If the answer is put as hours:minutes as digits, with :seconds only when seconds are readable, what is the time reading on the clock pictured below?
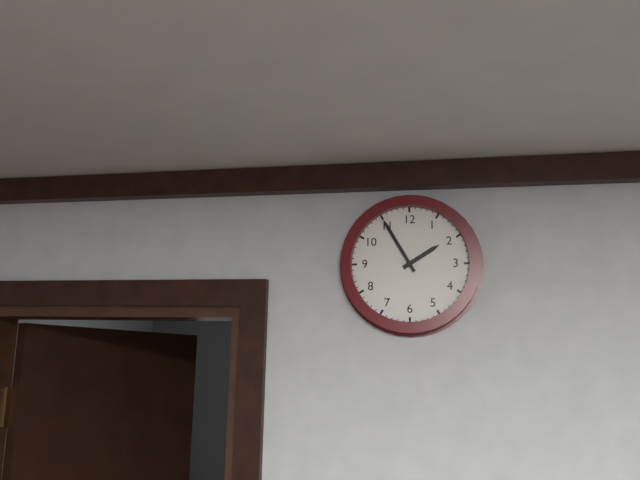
1:55
